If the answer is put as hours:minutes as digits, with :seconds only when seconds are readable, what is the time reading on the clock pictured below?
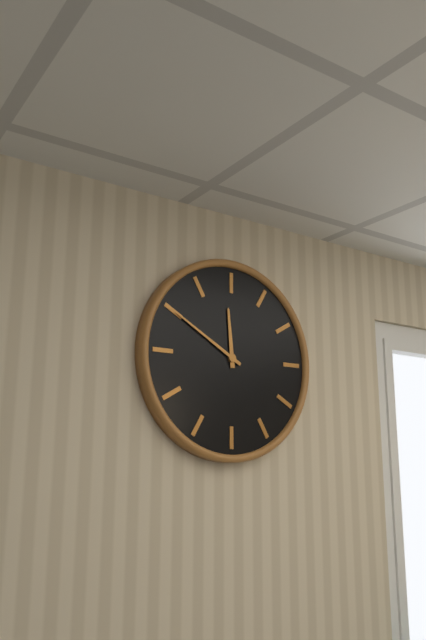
11:50
